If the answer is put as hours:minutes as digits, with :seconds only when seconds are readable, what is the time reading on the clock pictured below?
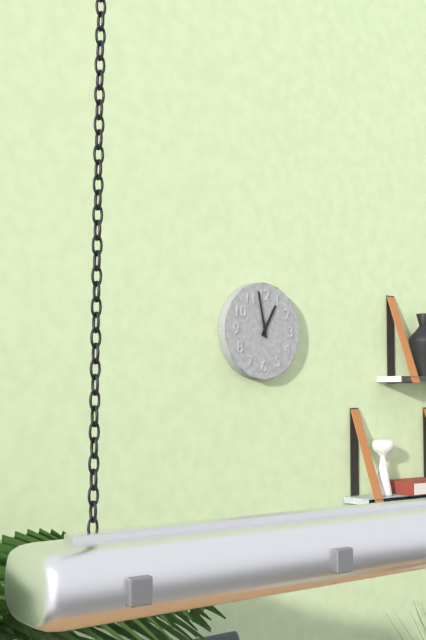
12:58
